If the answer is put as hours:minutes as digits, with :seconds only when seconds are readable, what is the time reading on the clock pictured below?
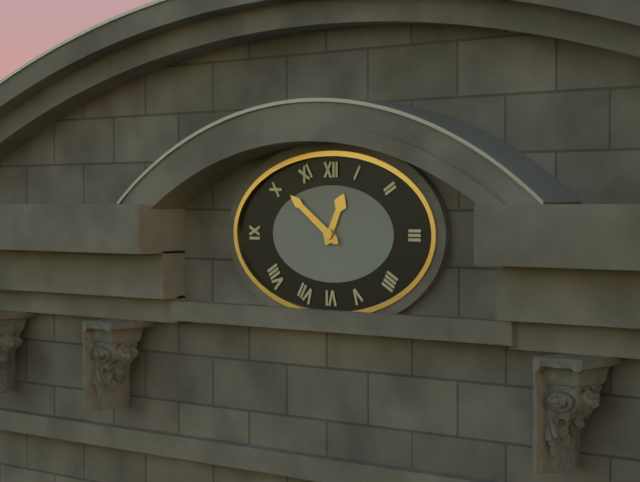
12:51
